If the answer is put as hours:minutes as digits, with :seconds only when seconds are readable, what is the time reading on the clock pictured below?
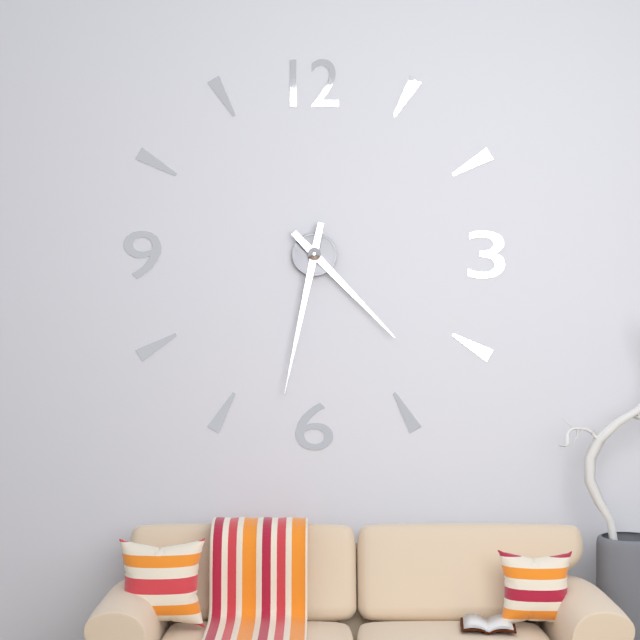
4:32
